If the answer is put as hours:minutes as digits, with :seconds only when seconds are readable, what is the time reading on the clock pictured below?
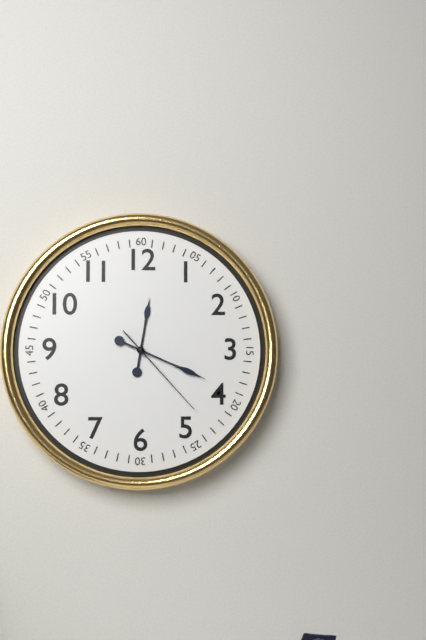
12:19:23
